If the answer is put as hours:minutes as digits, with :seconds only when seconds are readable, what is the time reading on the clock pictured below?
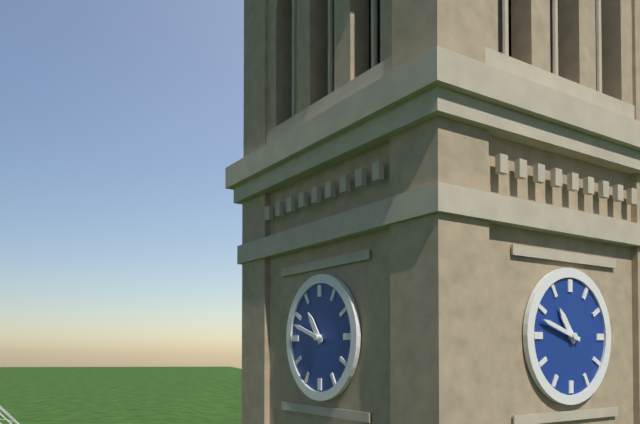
10:48
